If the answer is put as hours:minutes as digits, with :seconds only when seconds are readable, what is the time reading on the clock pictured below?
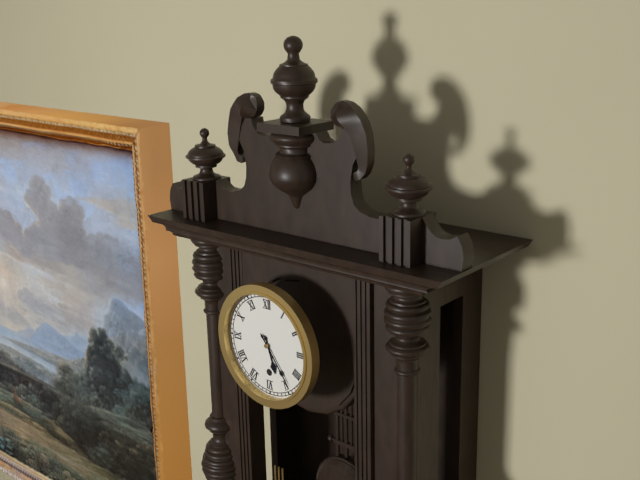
5:24
